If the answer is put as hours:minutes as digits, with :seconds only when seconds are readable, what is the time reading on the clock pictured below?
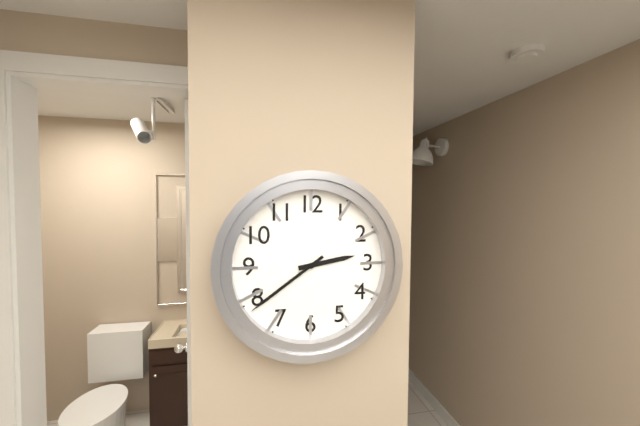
2:39
